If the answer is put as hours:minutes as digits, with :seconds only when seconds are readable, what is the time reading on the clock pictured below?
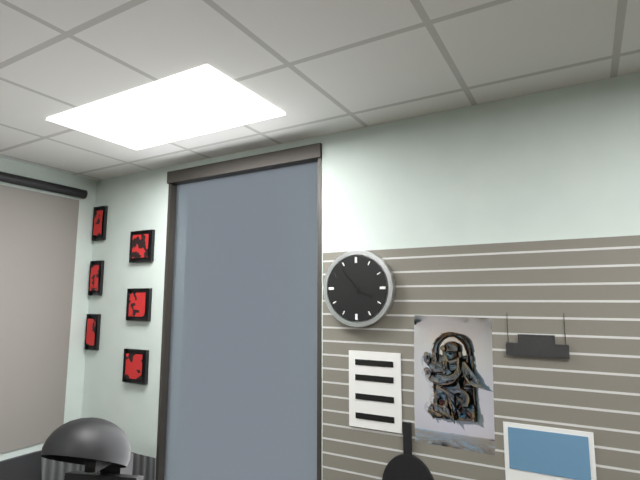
3:53
